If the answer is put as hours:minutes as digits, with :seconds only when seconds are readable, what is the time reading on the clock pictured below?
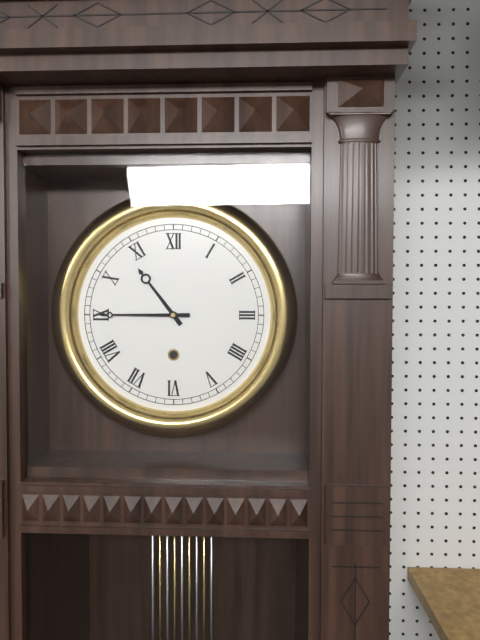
10:45
